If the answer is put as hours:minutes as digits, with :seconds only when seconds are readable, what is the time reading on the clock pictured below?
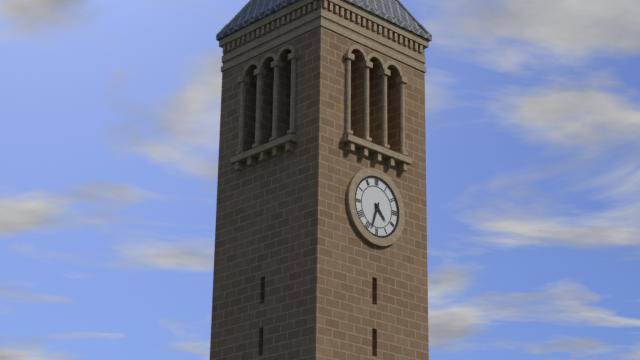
4:33
